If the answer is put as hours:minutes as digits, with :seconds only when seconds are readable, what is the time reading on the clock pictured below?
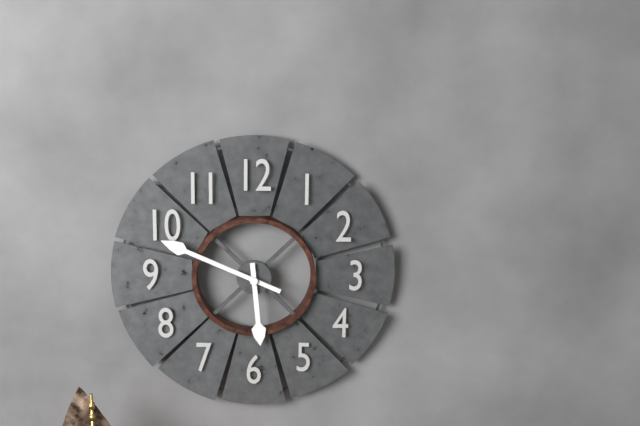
5:49
